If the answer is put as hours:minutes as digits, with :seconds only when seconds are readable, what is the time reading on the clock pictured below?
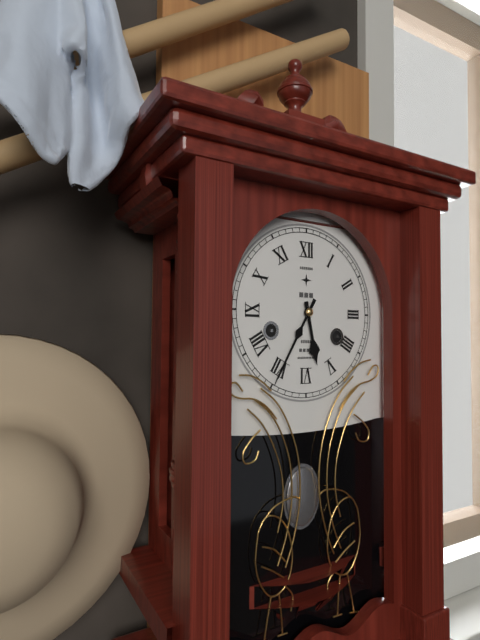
5:35
